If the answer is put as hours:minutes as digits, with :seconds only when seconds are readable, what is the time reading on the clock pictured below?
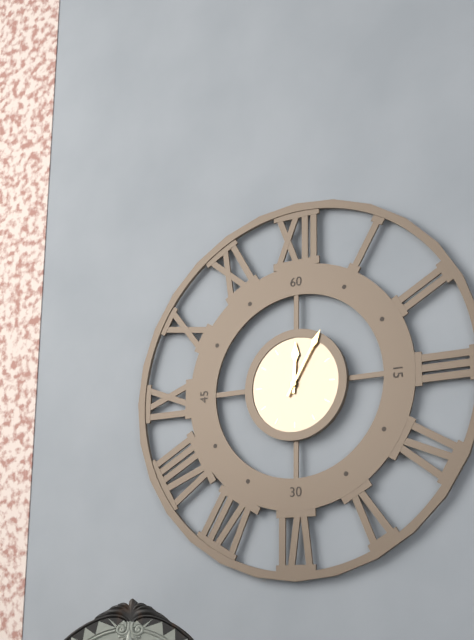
12:05
